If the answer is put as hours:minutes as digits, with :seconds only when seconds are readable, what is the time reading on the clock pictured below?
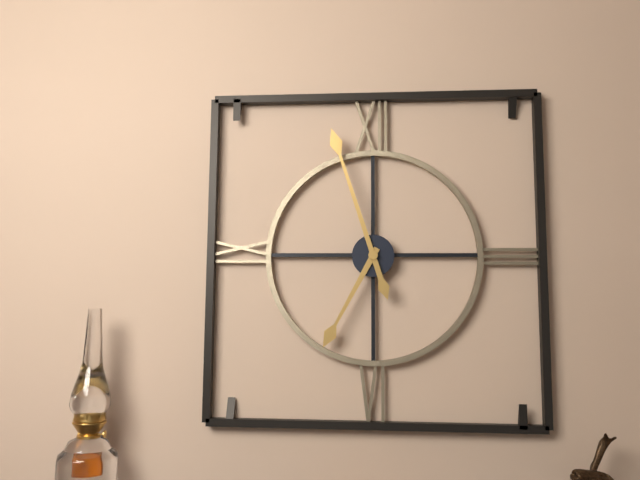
6:57
